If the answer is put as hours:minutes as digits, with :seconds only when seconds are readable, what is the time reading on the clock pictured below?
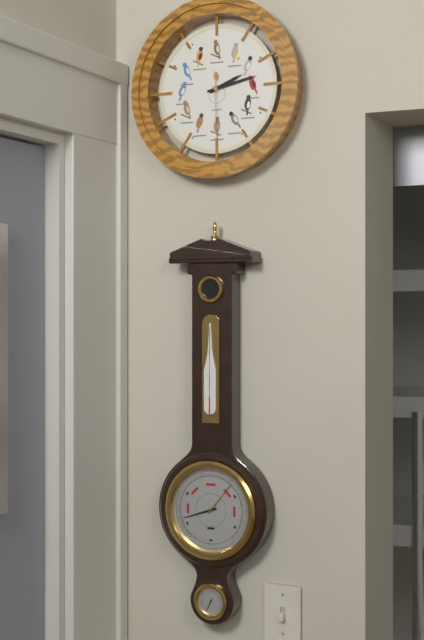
2:13:30
